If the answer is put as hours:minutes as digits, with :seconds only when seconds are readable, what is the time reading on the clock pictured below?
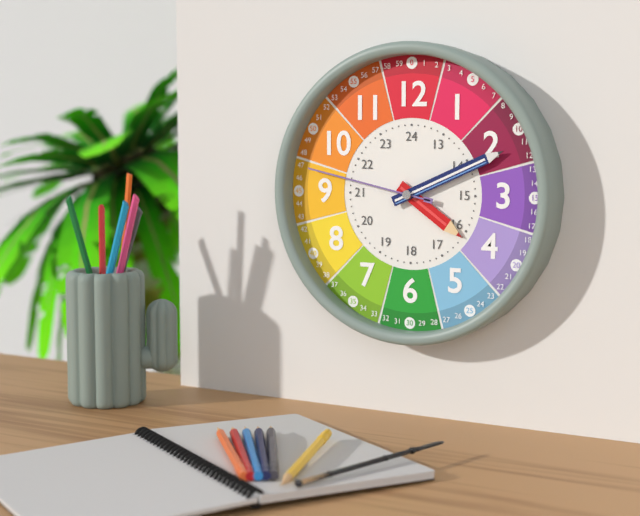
4:11:47
